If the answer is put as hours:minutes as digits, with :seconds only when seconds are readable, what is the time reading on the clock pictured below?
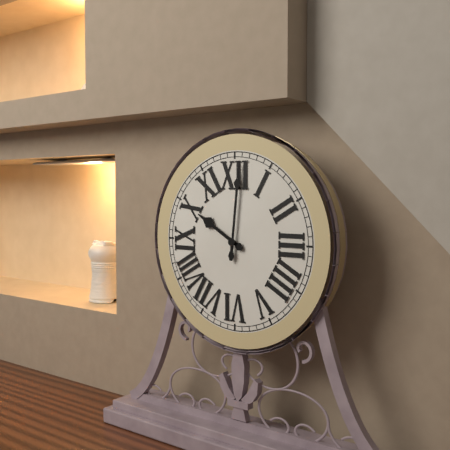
10:01
